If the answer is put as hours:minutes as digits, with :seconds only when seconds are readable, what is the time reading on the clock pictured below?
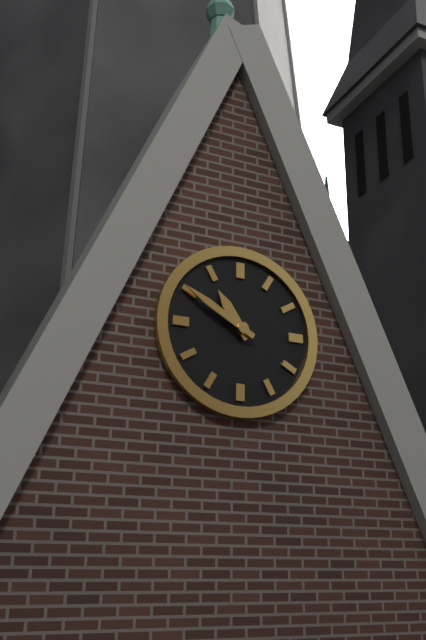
10:50
